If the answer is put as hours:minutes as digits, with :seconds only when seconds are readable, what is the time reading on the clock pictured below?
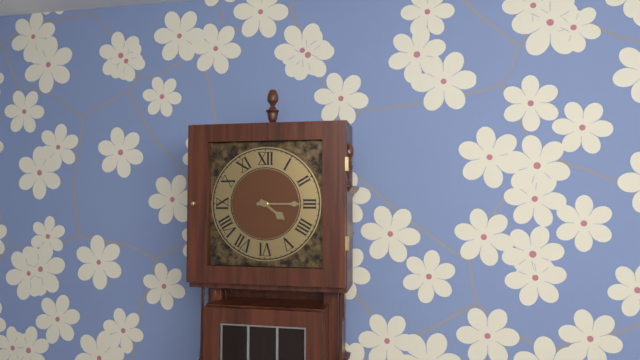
4:15
